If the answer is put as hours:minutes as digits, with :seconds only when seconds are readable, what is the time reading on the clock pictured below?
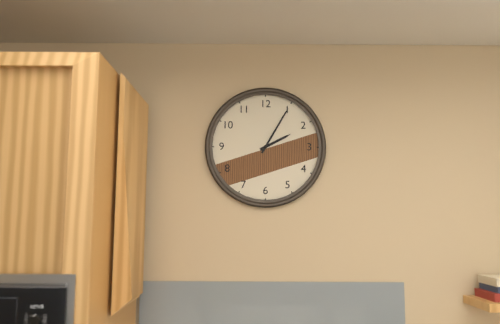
2:05
